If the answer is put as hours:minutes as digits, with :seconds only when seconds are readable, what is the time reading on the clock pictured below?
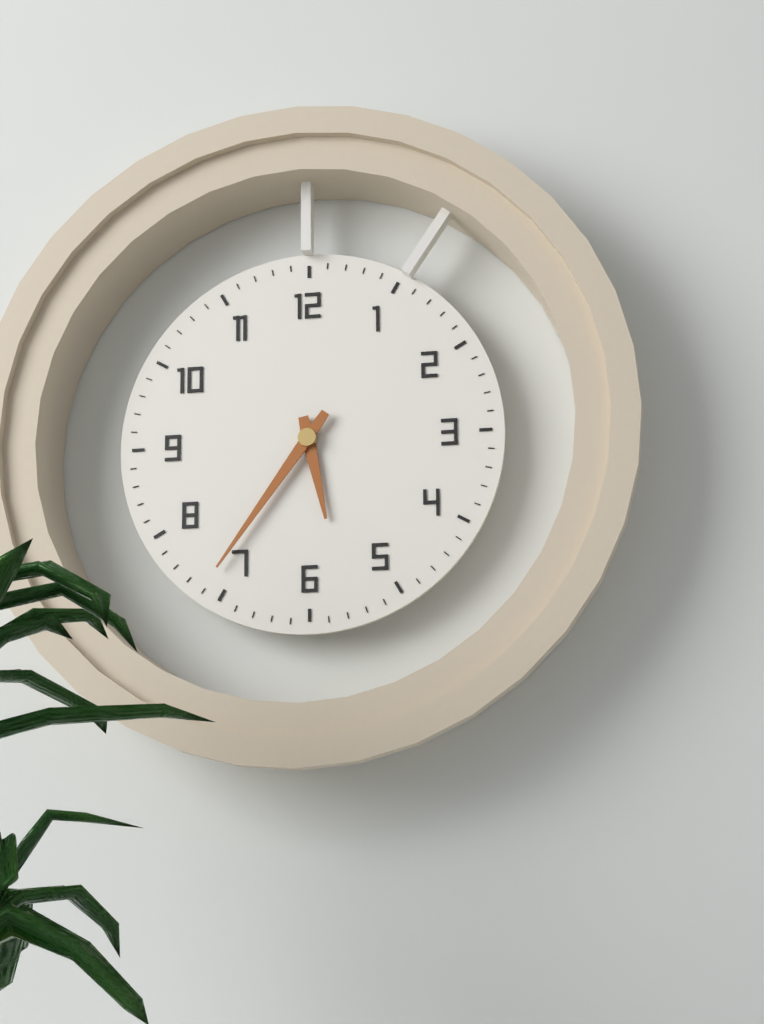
5:36
